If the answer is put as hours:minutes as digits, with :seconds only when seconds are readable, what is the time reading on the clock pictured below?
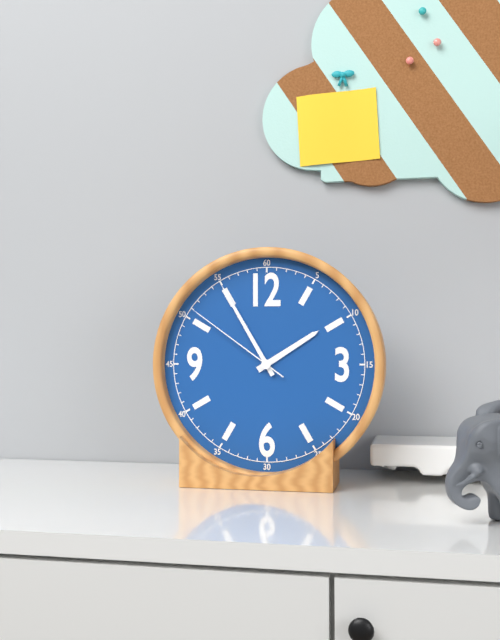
1:55:51
